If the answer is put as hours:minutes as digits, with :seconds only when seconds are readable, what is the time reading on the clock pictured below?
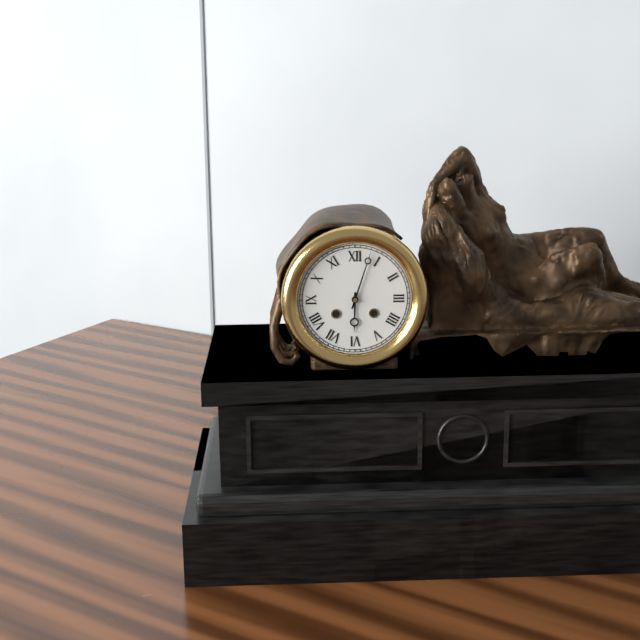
6:03
